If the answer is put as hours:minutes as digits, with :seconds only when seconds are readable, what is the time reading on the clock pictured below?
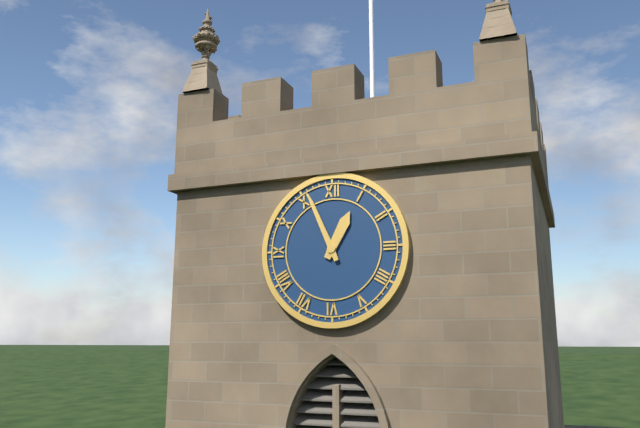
12:56
